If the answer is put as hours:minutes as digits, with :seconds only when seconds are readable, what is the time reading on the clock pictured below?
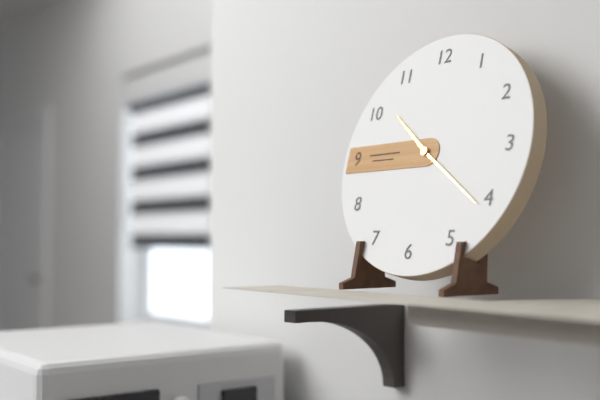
10:21
